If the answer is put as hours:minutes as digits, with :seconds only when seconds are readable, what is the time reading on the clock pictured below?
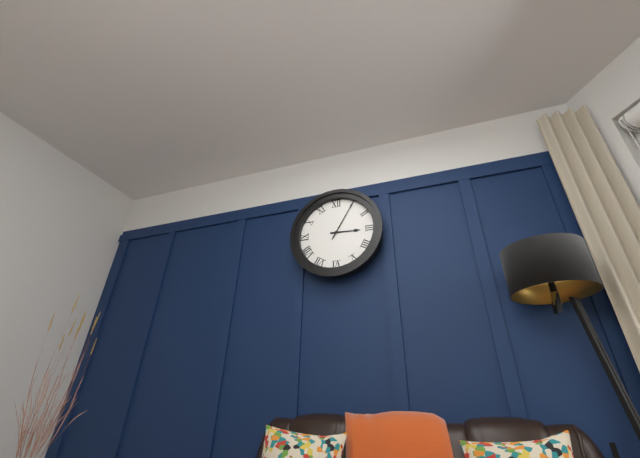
3:05
